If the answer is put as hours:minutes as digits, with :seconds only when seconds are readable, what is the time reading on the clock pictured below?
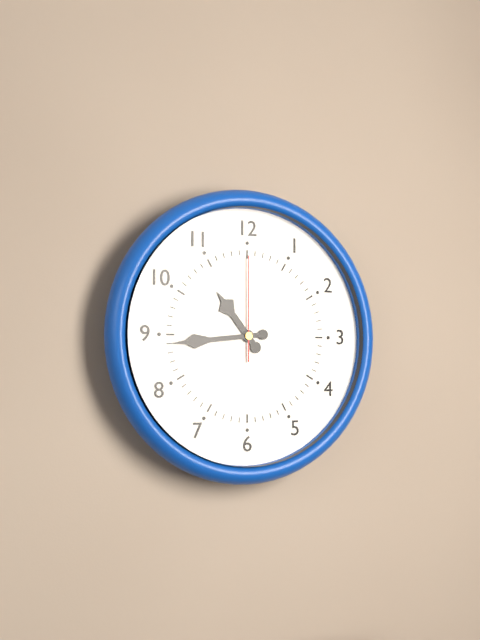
10:44:00
